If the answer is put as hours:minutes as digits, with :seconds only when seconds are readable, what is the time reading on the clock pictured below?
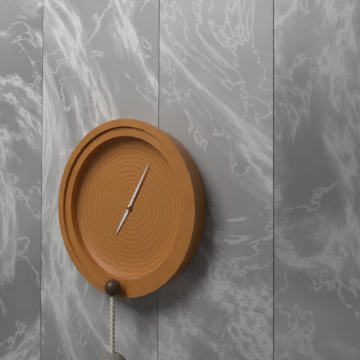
7:05
